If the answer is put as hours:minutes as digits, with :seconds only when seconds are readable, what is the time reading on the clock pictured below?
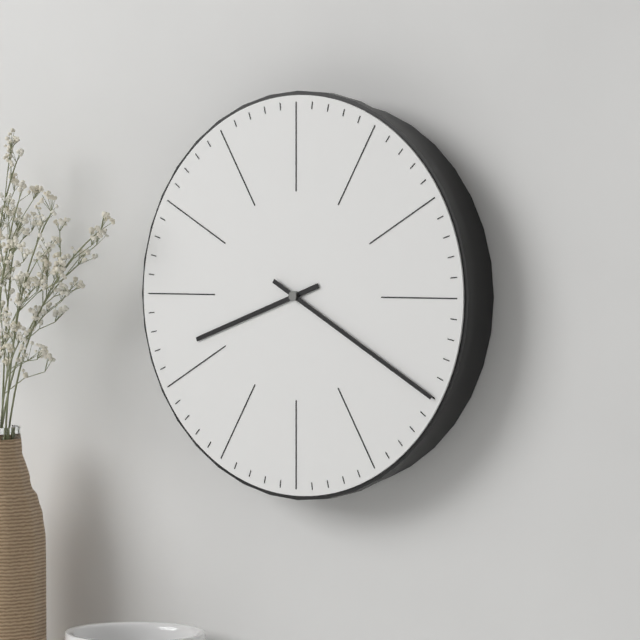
8:20
